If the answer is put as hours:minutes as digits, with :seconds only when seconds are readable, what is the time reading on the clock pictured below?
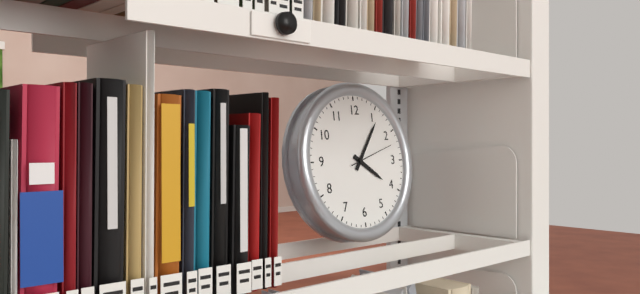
4:06
